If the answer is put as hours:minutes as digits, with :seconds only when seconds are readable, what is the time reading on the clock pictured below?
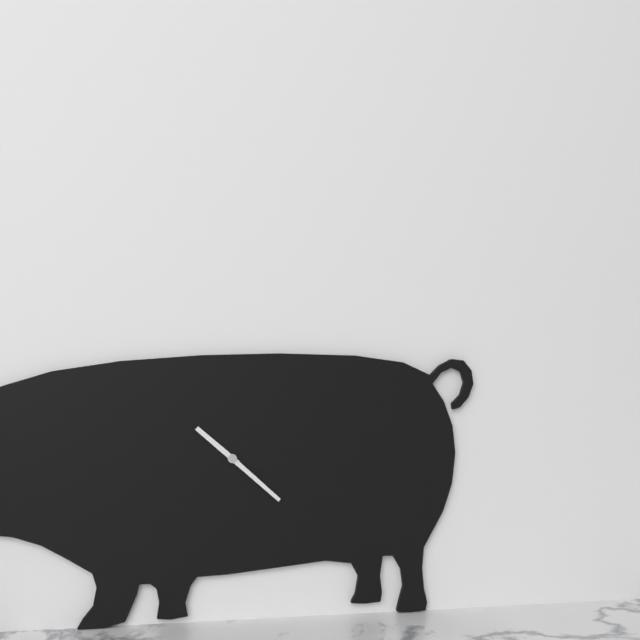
10:22
